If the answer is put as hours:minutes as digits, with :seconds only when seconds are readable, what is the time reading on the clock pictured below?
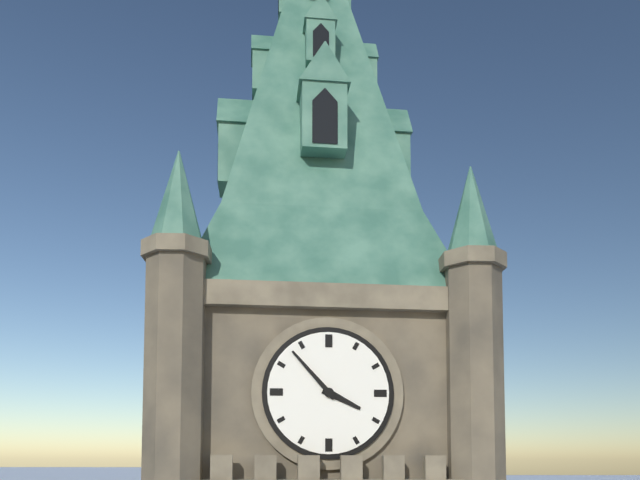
3:53
